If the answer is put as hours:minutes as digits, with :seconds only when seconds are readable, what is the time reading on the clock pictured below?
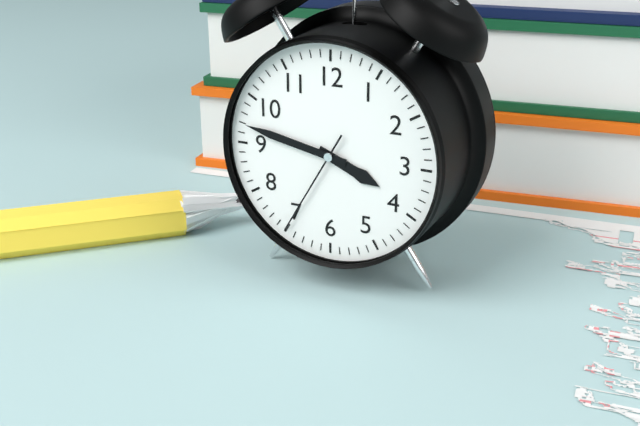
3:47:35
